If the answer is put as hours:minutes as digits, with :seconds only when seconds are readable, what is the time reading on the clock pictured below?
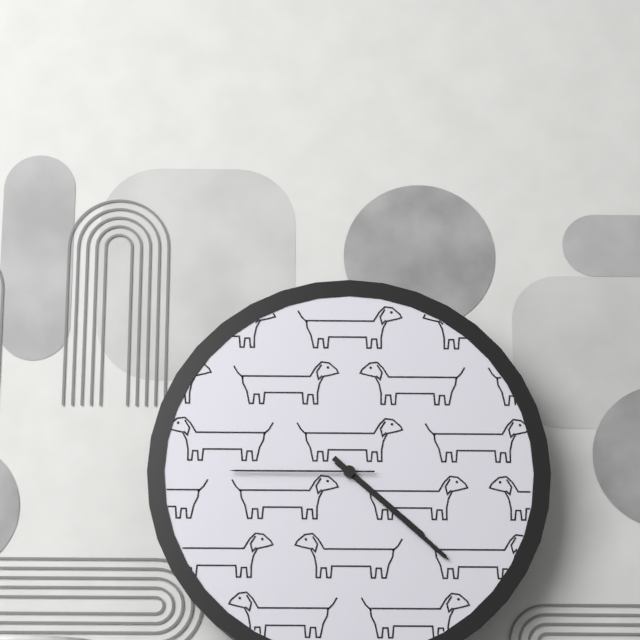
4:22:45
